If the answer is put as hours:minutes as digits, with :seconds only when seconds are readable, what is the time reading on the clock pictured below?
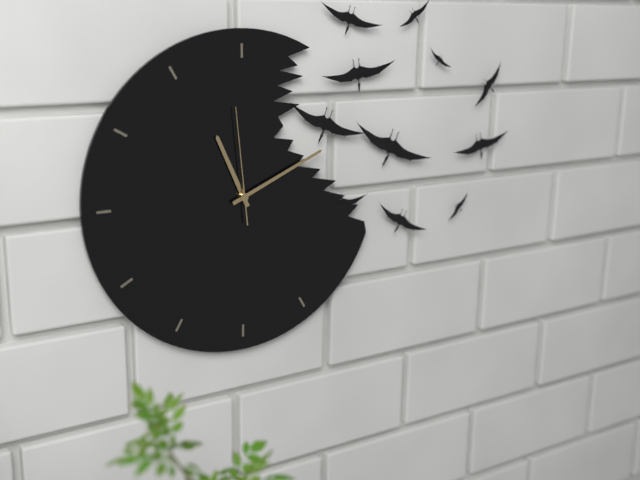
11:11:59
